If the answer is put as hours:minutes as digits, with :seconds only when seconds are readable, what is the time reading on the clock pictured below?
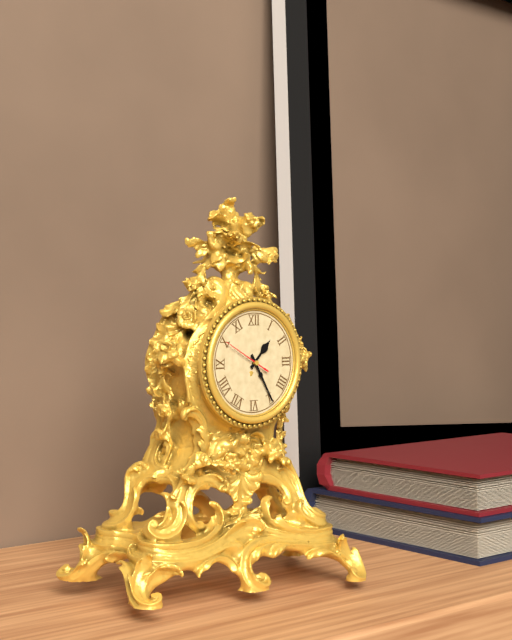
1:25
